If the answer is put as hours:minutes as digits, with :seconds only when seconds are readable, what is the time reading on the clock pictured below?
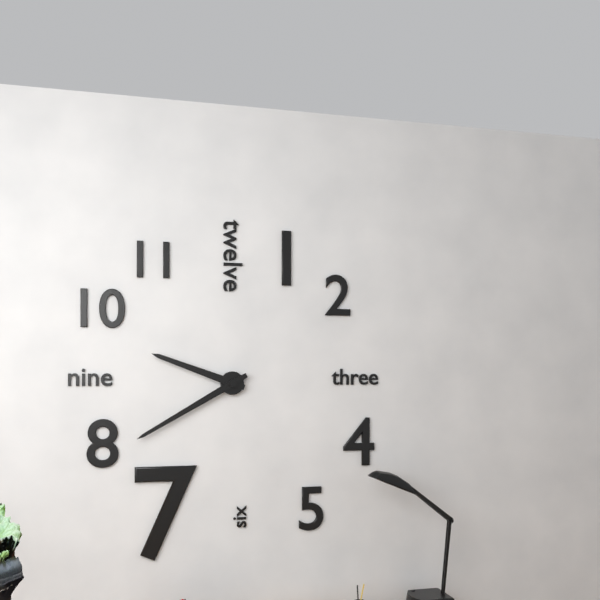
9:40
